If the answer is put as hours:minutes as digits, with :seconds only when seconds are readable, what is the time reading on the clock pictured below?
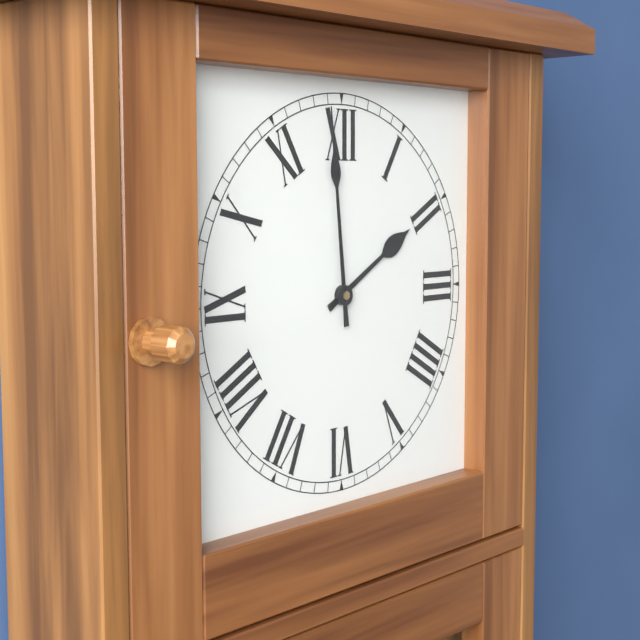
1:59
